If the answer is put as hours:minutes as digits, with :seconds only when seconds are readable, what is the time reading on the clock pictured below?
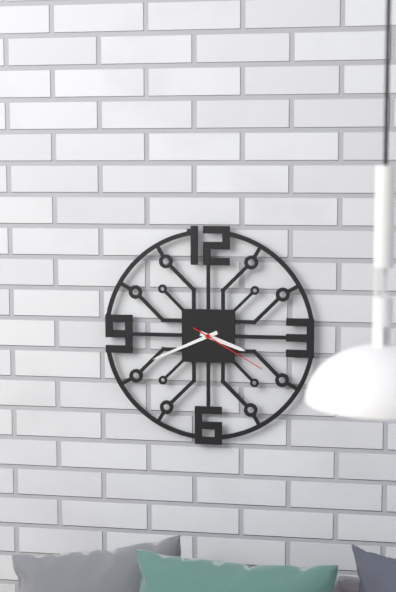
3:41:20
